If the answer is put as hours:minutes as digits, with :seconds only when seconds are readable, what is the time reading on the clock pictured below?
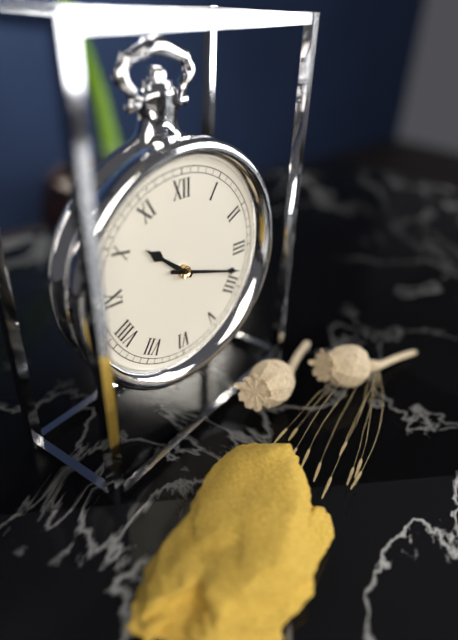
10:18
